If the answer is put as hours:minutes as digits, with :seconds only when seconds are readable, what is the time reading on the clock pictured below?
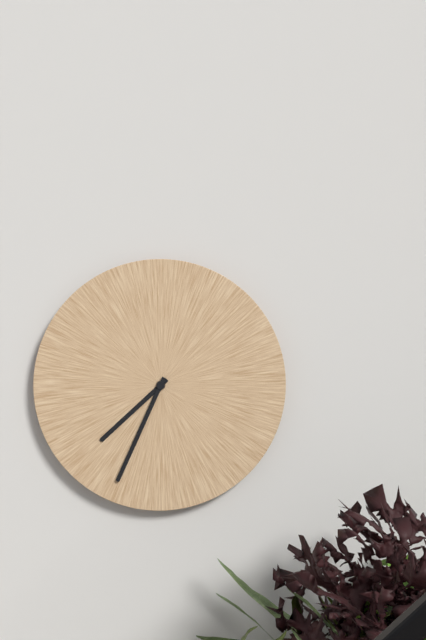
7:34
